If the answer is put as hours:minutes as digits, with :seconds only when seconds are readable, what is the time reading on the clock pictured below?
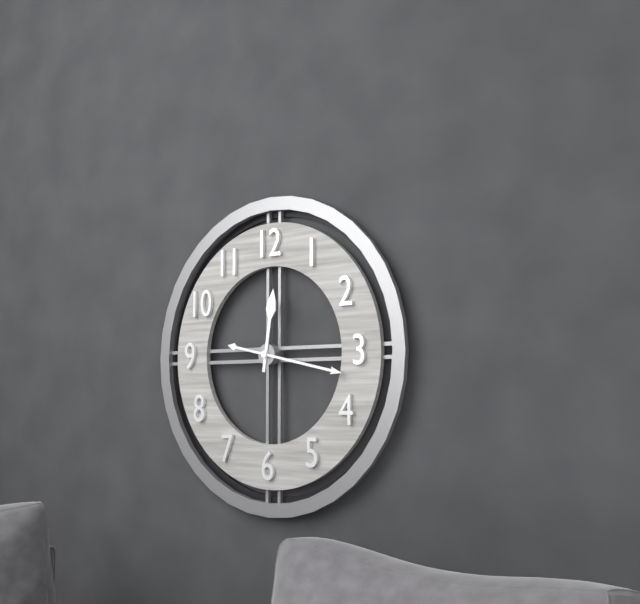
12:17
